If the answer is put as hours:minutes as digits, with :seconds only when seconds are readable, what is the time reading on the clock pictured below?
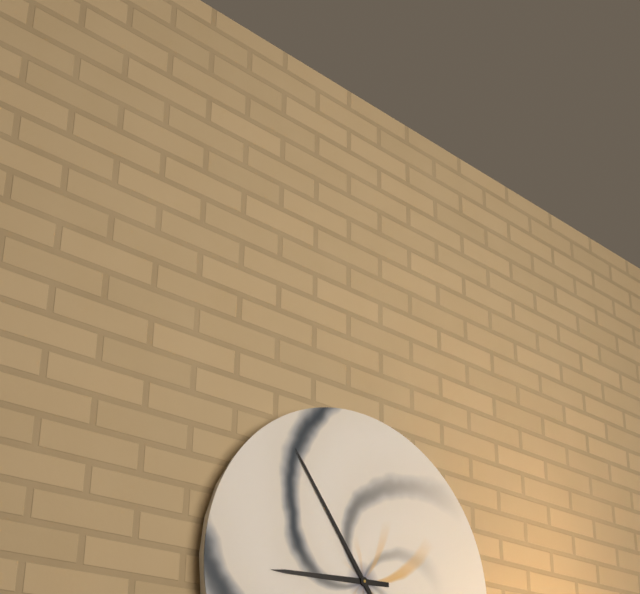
8:54
